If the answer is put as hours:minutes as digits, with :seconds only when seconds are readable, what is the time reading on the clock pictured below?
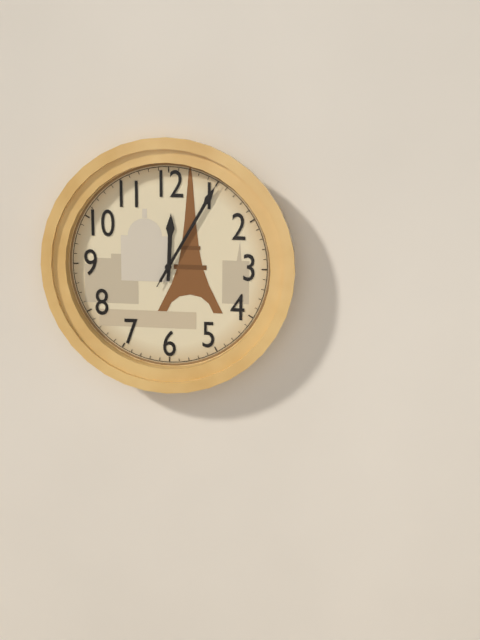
12:05:05
